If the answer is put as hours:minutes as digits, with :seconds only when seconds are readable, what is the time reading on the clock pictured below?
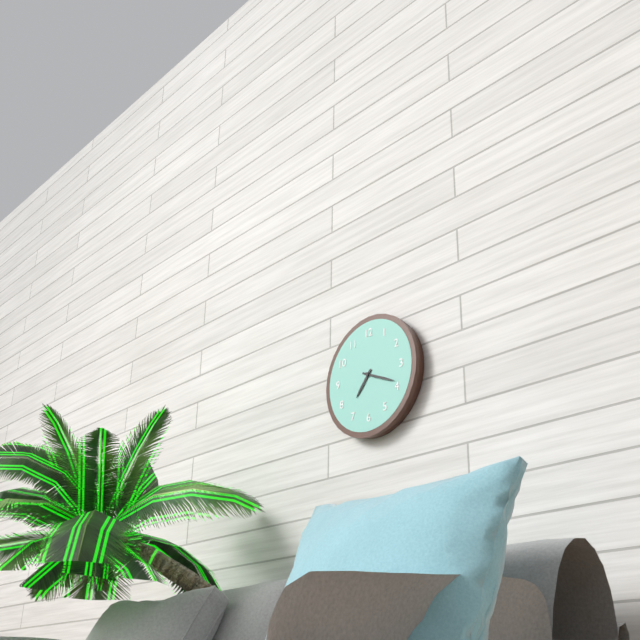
7:19
